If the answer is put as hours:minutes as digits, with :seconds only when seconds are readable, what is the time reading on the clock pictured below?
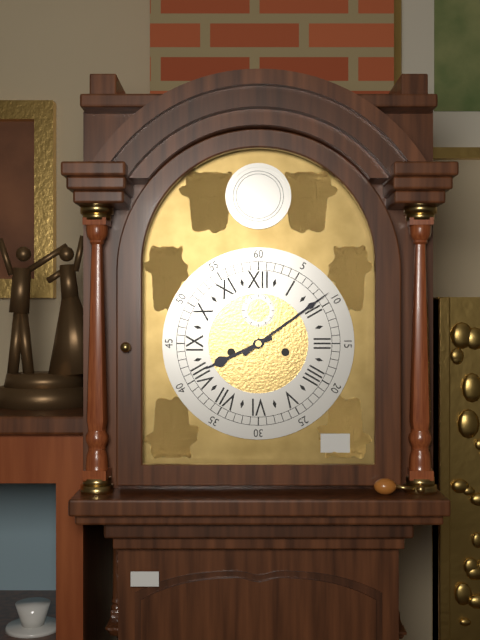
8:09
